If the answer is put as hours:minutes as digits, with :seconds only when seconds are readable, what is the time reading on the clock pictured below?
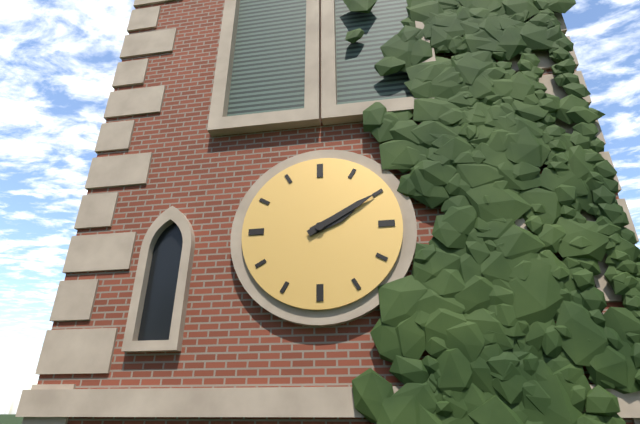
2:10
